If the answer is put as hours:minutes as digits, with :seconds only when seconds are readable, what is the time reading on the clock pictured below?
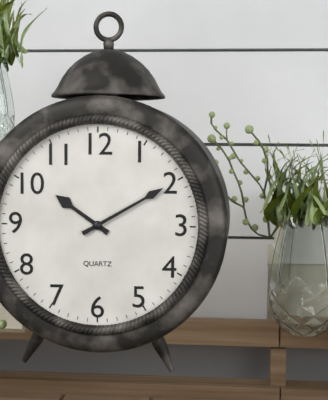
10:10
